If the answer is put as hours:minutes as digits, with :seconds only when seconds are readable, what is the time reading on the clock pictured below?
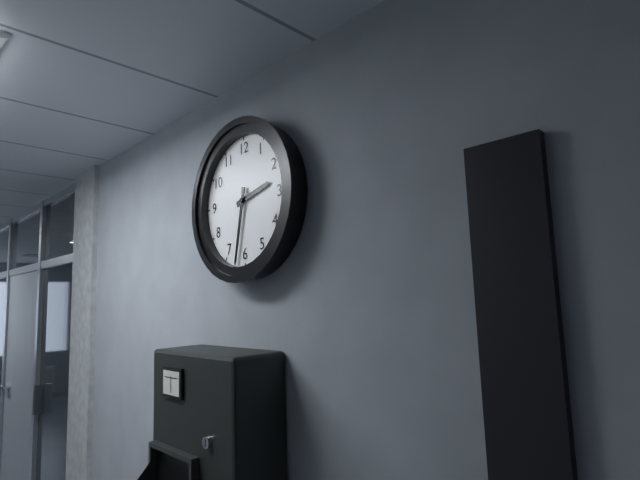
2:32
